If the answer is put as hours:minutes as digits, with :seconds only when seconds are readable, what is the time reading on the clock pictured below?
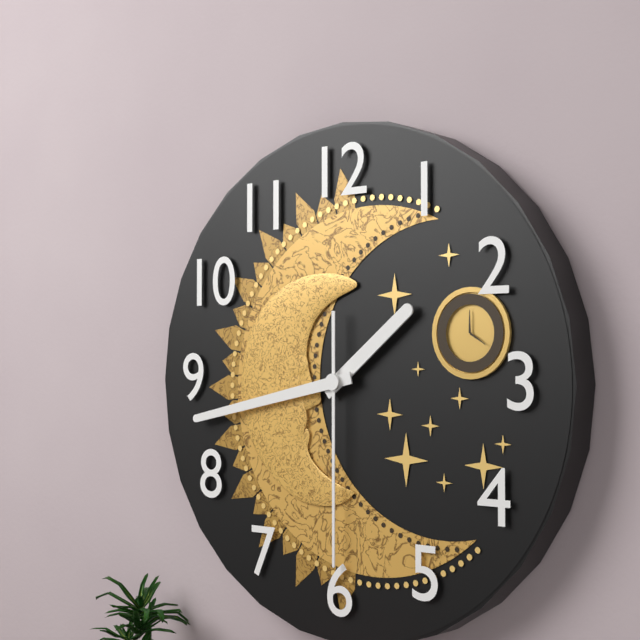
1:43:30
